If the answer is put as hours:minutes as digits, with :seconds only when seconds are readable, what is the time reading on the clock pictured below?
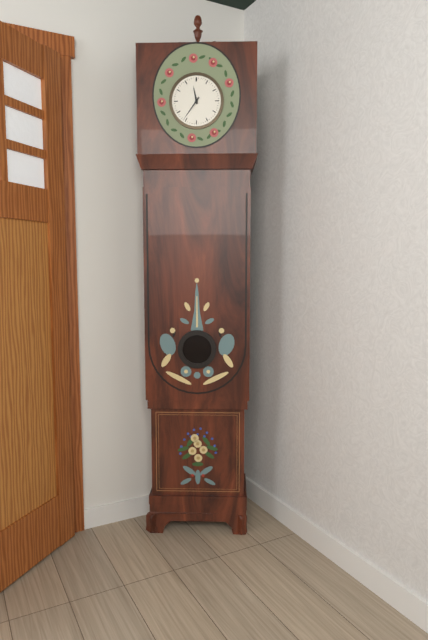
11:36
